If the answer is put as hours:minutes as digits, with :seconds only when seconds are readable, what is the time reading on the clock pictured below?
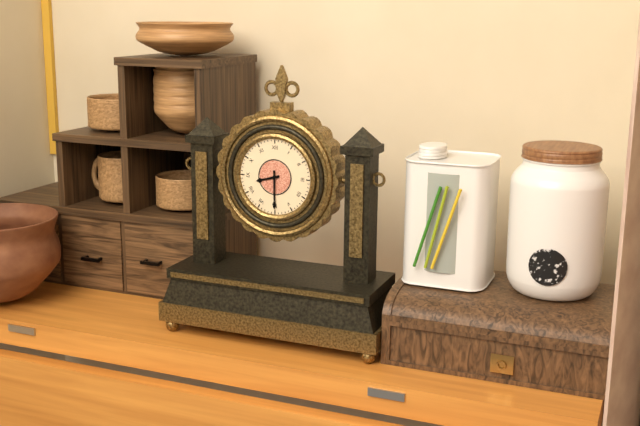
8:30
